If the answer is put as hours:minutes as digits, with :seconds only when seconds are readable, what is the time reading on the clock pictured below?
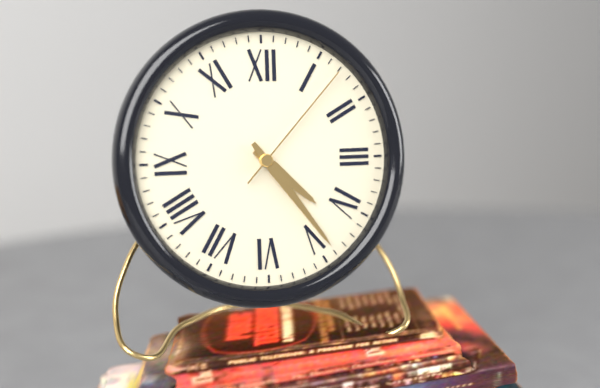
4:24:07
